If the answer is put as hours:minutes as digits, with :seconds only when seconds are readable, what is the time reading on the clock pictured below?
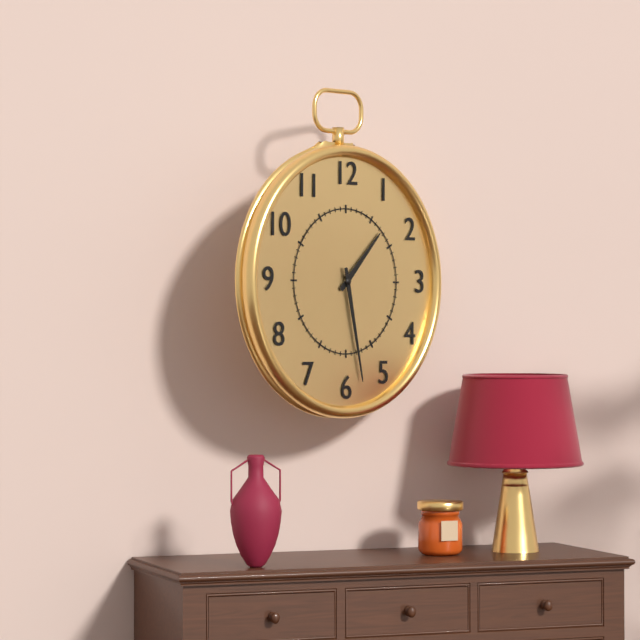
1:28
